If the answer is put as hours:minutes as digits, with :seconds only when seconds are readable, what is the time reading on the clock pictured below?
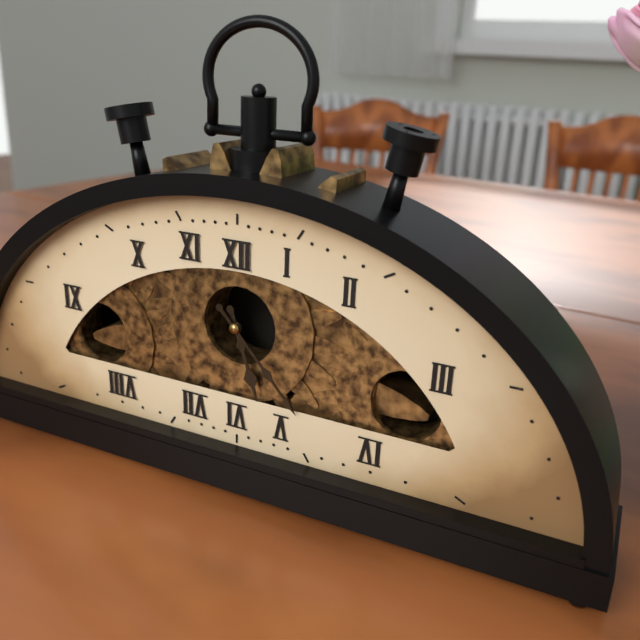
5:23
